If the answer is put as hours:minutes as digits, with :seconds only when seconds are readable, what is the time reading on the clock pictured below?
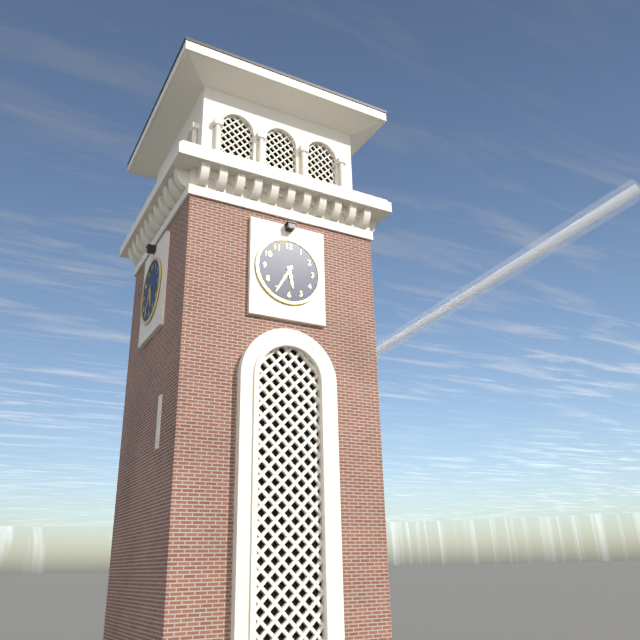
5:35
